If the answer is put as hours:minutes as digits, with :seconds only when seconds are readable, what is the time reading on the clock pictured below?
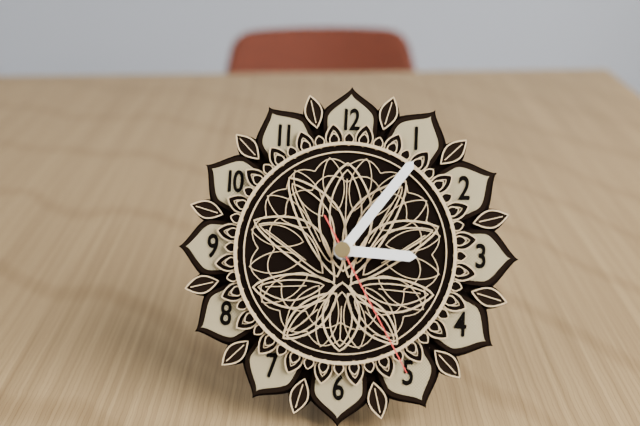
3:06:25
